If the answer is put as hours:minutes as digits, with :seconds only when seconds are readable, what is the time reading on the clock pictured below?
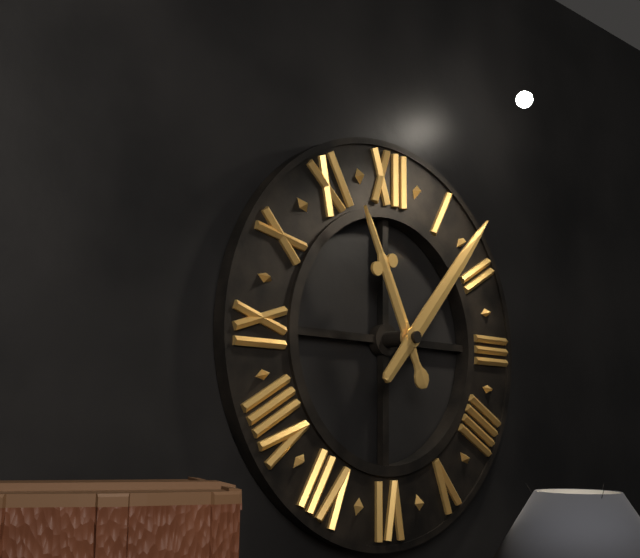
11:07
